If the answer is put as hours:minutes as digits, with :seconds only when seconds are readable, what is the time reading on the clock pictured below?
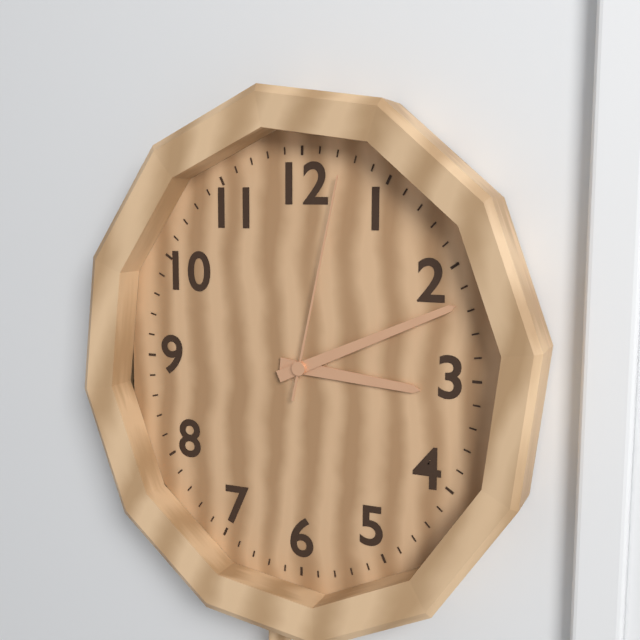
3:11:02
